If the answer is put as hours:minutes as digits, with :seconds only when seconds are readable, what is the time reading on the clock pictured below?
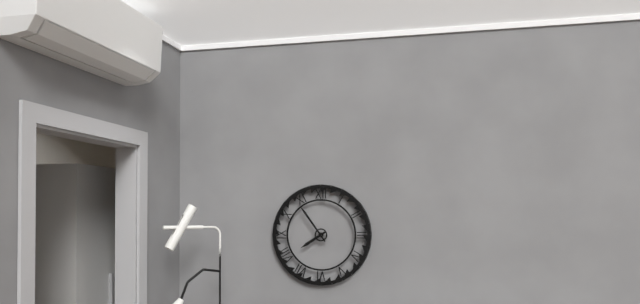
7:54
